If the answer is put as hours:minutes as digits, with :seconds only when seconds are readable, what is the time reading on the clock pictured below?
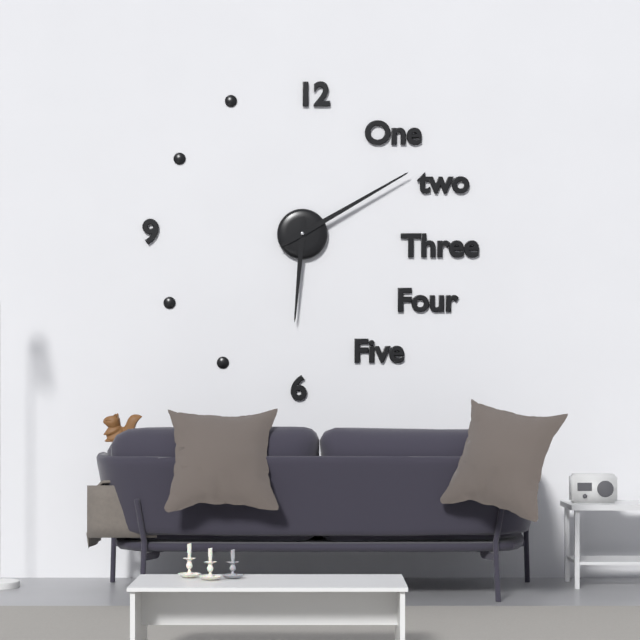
6:10
